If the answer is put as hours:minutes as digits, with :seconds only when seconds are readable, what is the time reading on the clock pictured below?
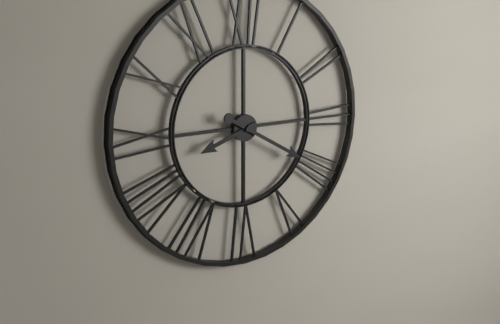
8:20
